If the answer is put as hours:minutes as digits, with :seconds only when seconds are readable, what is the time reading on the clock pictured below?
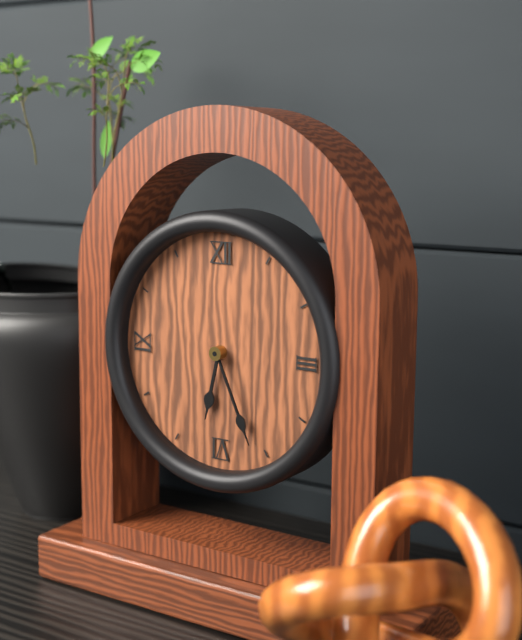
6:26
